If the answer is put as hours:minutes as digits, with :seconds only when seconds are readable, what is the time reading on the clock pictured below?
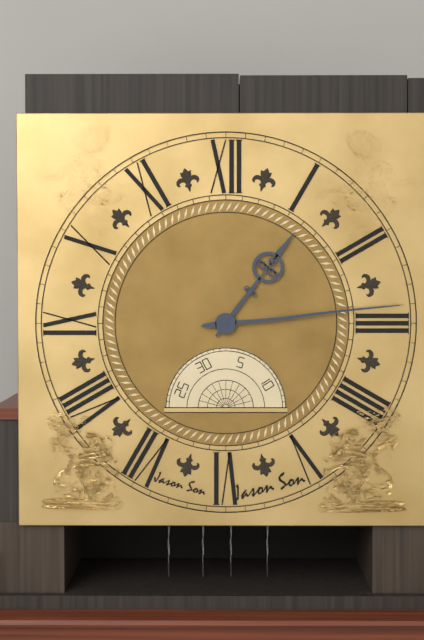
1:14
